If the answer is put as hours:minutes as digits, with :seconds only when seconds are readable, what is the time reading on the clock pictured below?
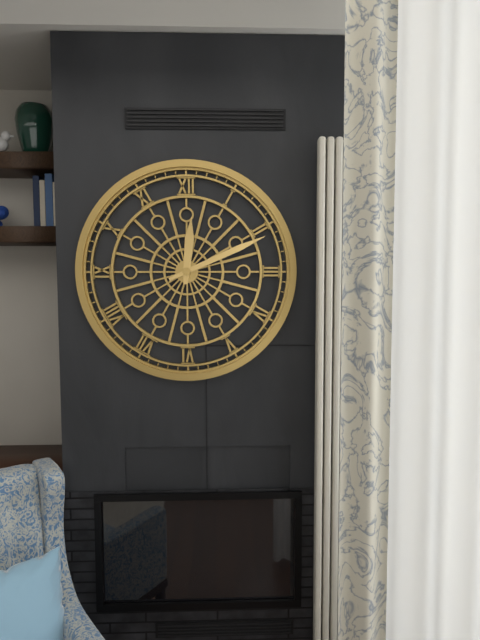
12:11
